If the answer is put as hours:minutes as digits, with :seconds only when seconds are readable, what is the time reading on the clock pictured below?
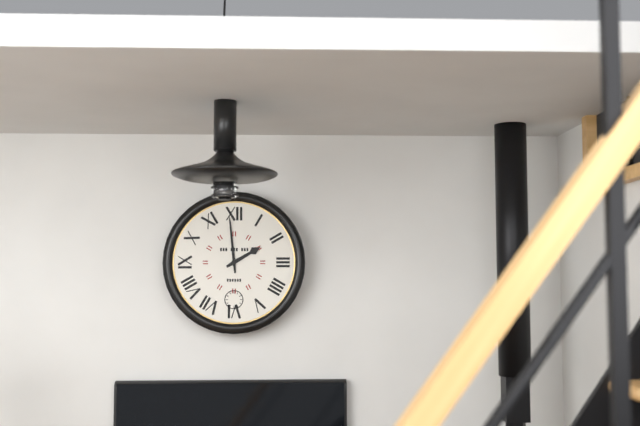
1:59
